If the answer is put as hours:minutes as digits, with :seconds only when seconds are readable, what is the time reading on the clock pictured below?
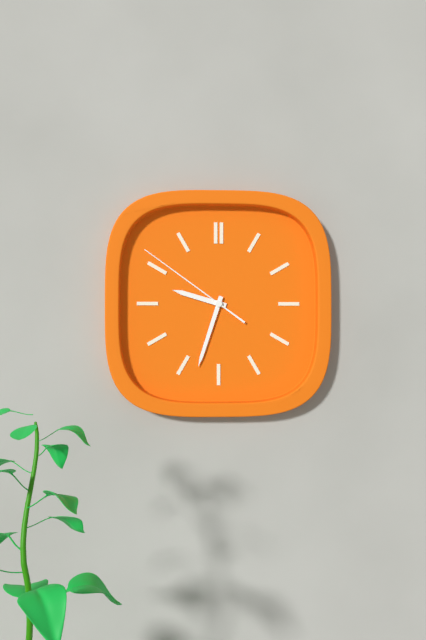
9:33:51
